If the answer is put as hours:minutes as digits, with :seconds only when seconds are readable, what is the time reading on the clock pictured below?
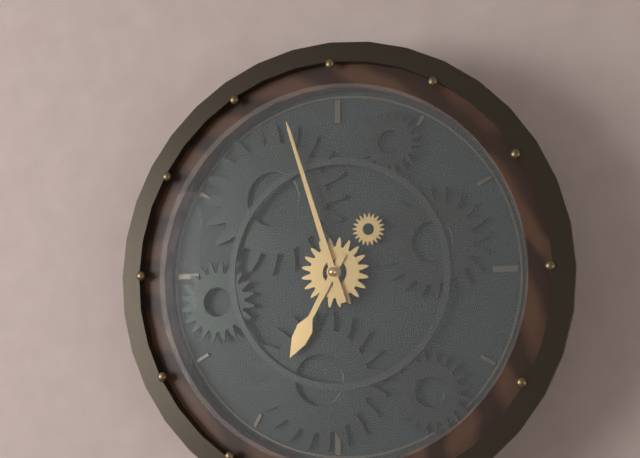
6:57
